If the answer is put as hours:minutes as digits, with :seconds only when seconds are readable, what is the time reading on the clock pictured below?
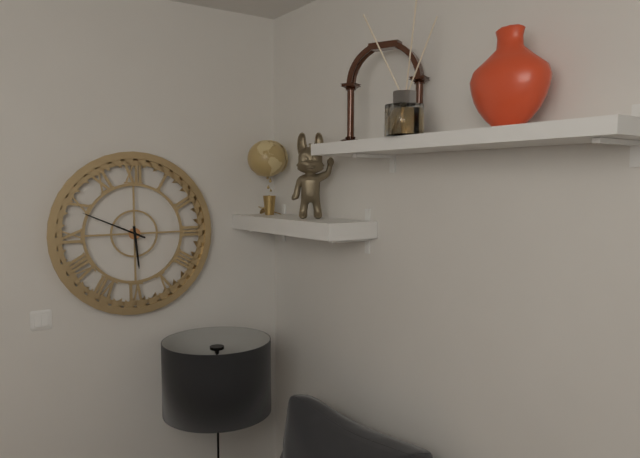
5:49
